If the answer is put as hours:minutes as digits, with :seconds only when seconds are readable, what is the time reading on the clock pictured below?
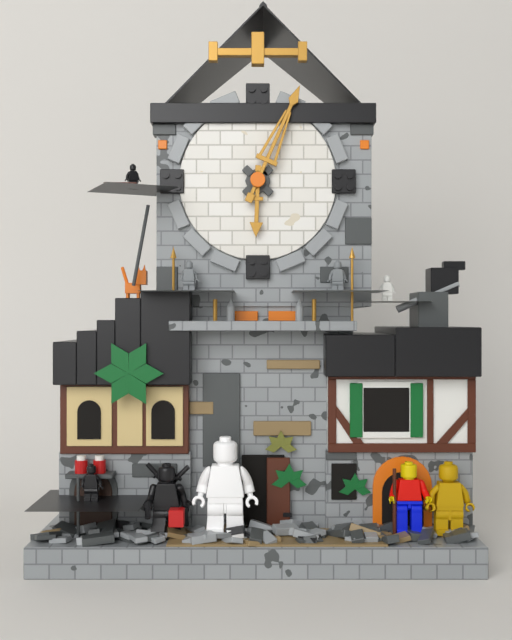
6:04
